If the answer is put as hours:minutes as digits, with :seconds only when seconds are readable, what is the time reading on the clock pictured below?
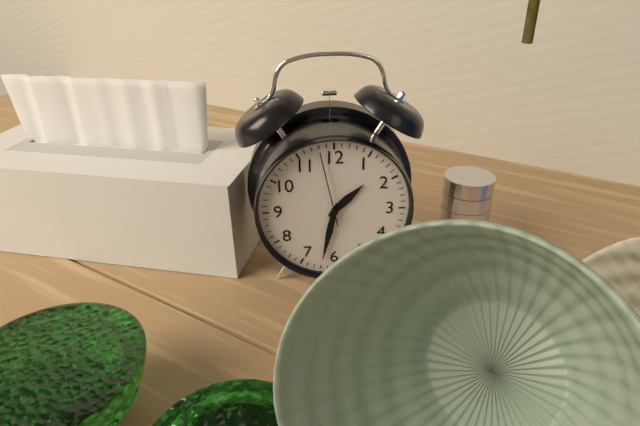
1:32:58
